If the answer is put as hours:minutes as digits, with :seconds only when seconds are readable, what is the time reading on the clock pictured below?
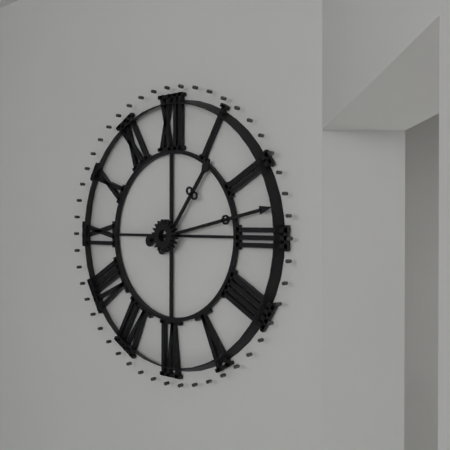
1:13
